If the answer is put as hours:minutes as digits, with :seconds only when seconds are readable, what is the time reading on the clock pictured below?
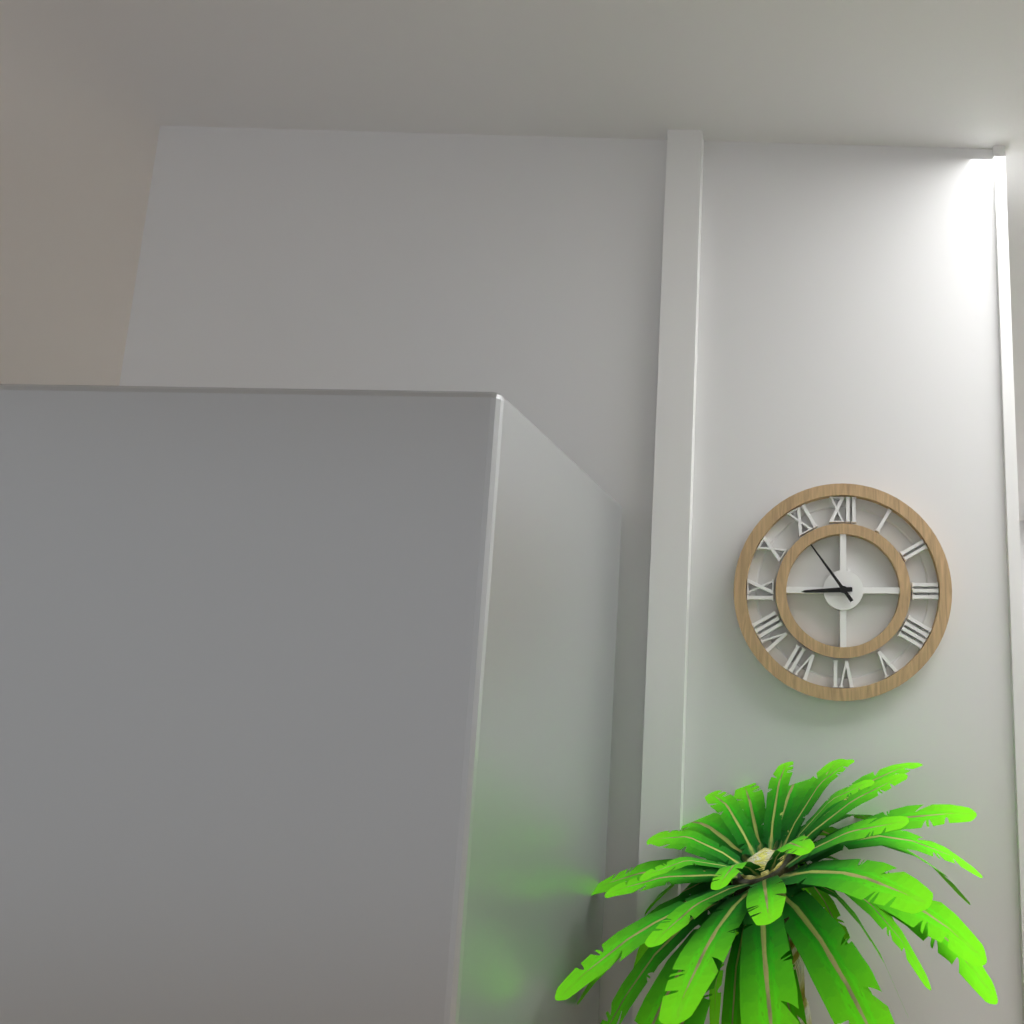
8:54
